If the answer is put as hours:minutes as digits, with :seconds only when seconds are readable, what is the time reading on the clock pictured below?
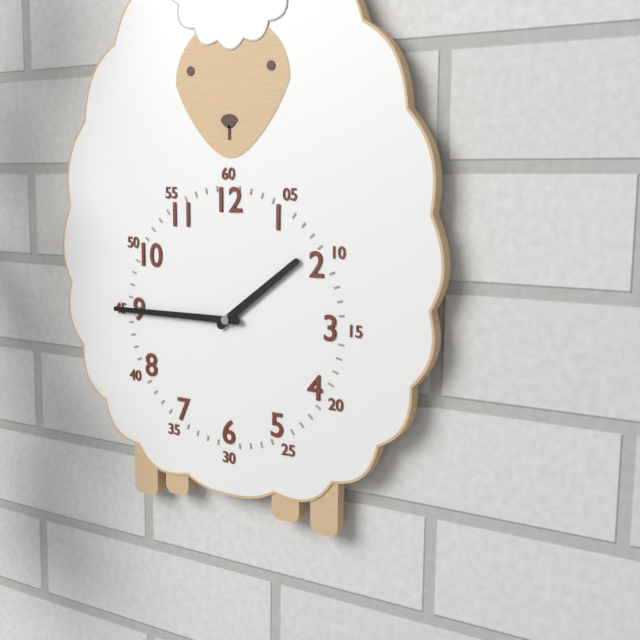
1:45
